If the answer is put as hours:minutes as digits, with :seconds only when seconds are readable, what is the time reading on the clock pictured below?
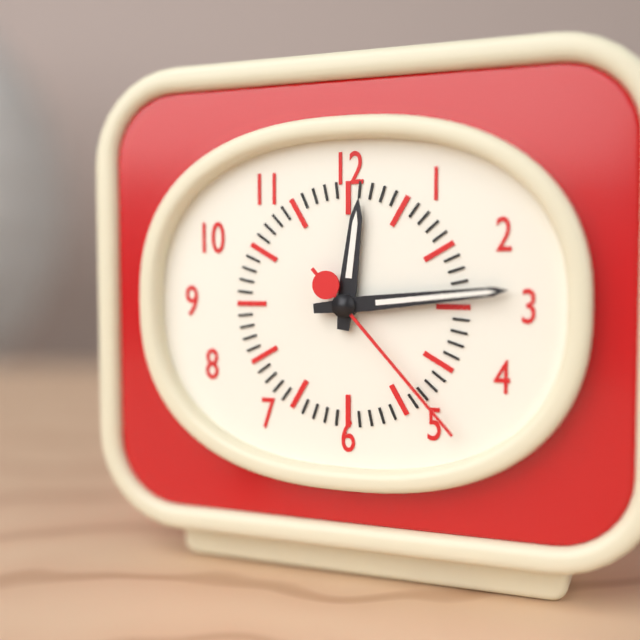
12:14:23
